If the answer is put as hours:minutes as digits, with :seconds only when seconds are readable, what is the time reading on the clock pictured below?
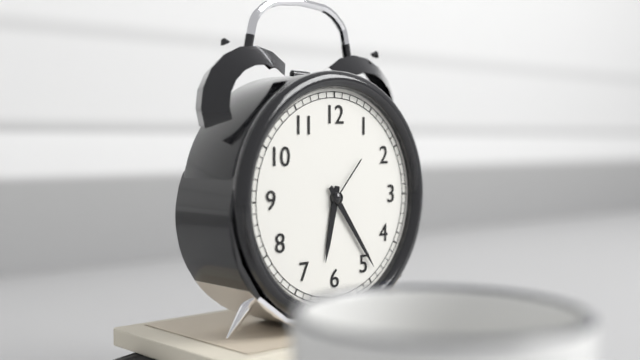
6:24:07
